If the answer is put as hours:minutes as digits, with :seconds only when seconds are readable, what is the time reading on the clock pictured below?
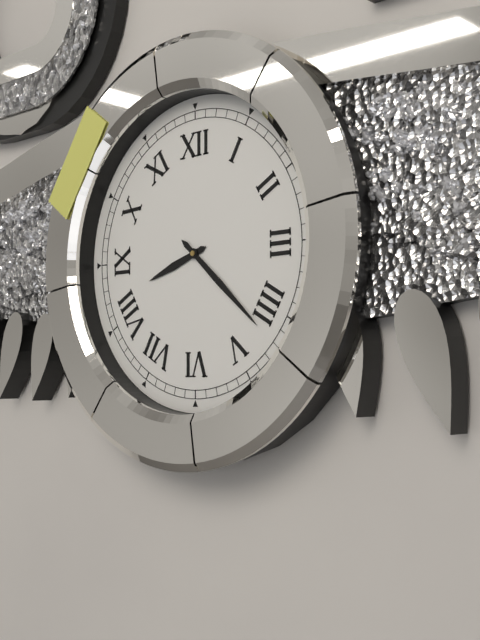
8:22
